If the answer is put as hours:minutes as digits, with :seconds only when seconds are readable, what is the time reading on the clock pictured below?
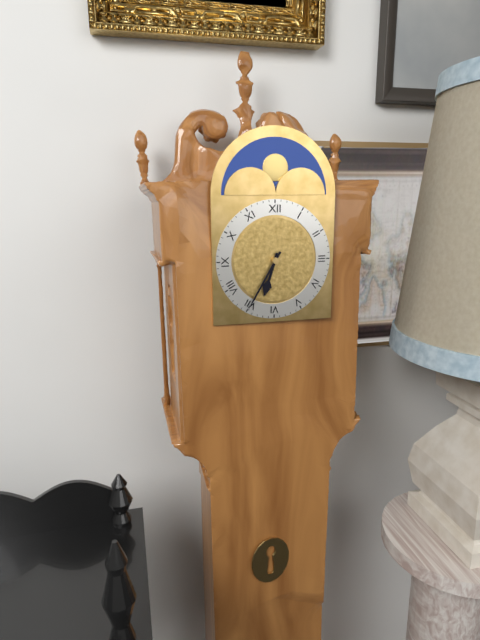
6:35
